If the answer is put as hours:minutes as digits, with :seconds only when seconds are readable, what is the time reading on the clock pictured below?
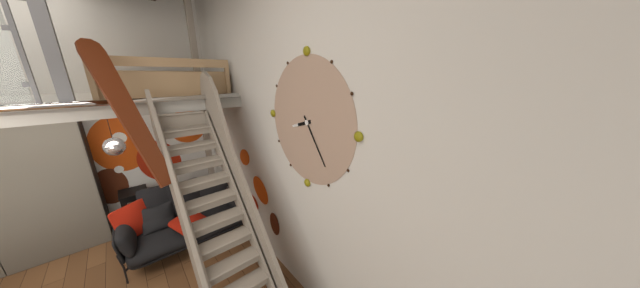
8:24
